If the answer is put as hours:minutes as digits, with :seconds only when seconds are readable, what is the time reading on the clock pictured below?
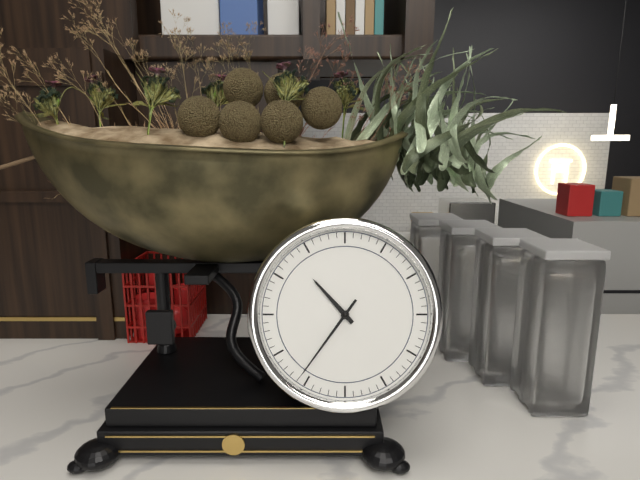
10:36
